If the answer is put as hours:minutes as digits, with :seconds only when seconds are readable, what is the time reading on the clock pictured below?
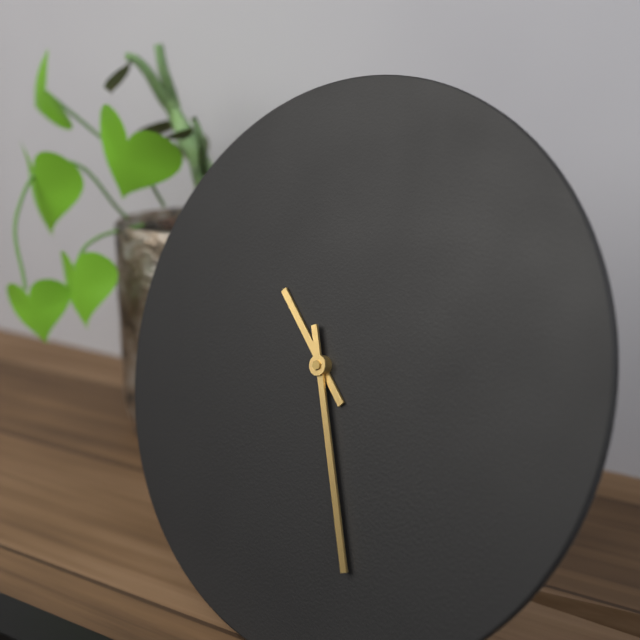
10:26
